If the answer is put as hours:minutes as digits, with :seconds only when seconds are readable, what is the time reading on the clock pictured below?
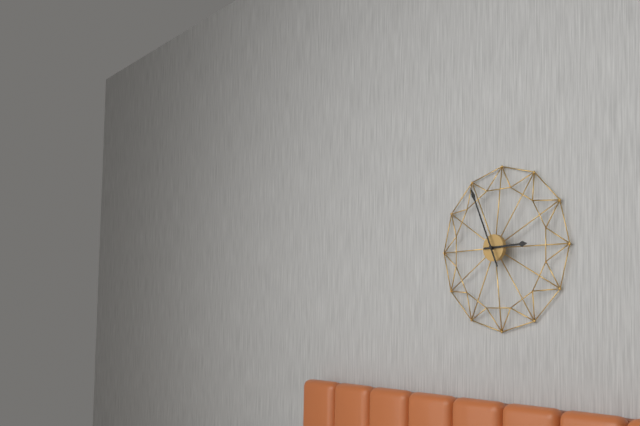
2:56
